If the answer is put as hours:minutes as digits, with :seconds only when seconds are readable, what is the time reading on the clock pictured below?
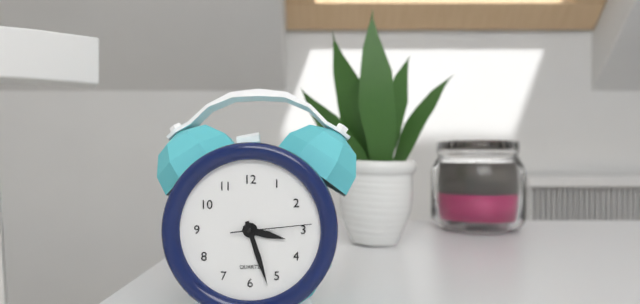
3:27:14
